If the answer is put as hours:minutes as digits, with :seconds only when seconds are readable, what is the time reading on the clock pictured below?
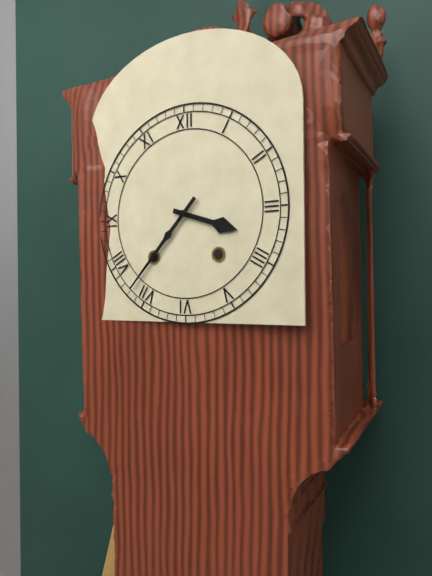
3:37
